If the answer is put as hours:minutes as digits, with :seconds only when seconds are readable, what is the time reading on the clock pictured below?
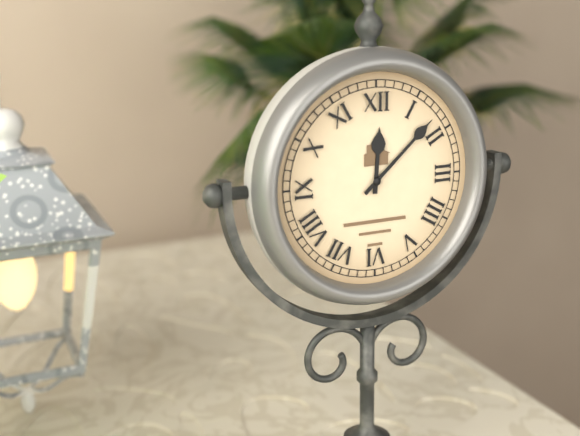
12:08
